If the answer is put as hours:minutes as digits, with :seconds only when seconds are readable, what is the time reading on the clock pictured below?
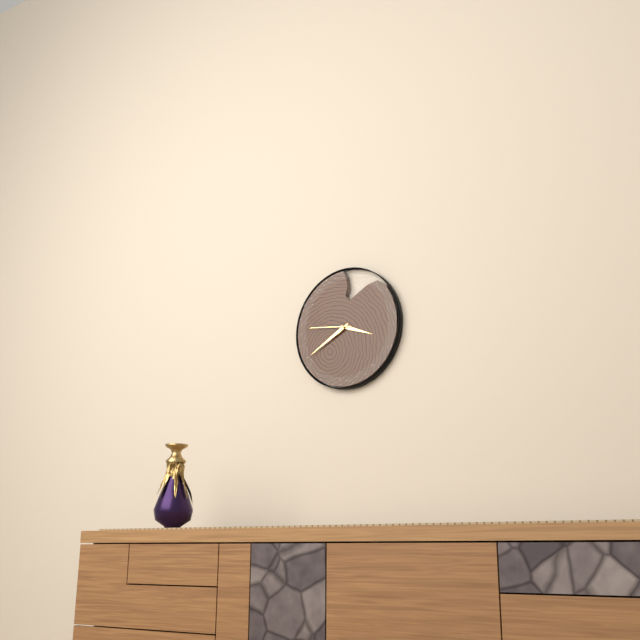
3:40
